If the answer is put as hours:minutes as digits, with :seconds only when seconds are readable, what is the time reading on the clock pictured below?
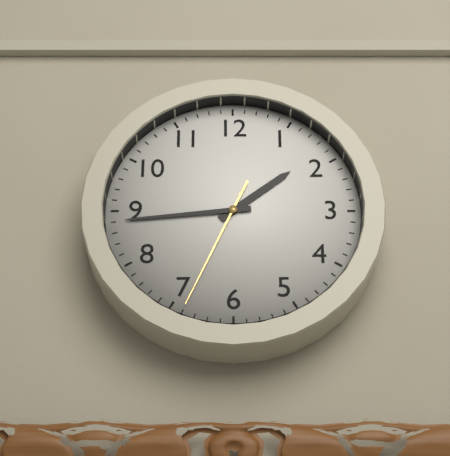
1:44:34
